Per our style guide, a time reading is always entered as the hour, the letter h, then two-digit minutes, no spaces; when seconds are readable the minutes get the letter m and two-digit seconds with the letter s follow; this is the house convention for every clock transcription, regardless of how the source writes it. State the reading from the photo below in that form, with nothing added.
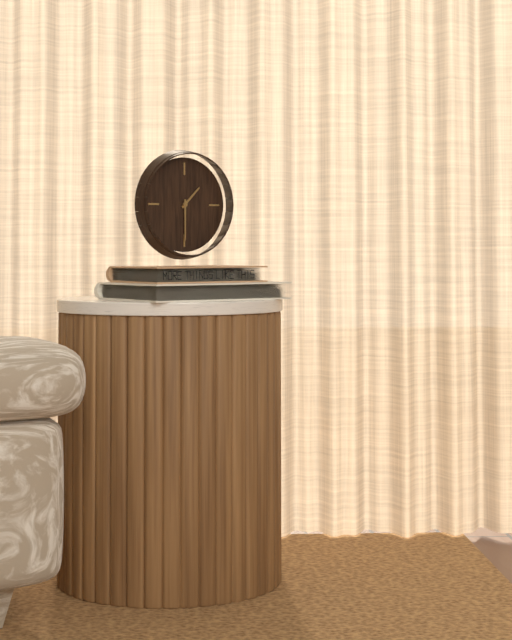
1h30
